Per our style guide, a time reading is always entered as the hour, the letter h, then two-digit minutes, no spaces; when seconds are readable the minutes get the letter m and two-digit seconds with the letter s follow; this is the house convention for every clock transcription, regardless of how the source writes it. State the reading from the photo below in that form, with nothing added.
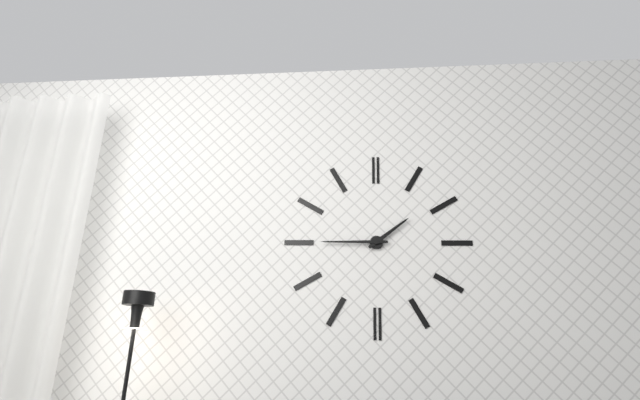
1h45
